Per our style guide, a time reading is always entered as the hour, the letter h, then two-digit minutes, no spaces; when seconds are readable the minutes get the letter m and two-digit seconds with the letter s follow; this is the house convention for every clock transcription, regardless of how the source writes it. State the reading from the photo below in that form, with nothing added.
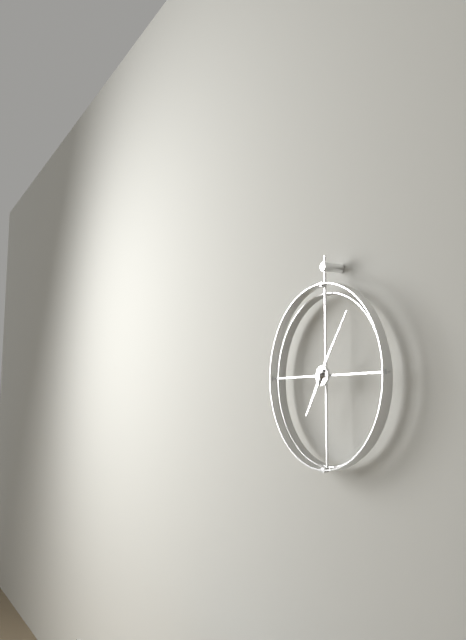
7h06
